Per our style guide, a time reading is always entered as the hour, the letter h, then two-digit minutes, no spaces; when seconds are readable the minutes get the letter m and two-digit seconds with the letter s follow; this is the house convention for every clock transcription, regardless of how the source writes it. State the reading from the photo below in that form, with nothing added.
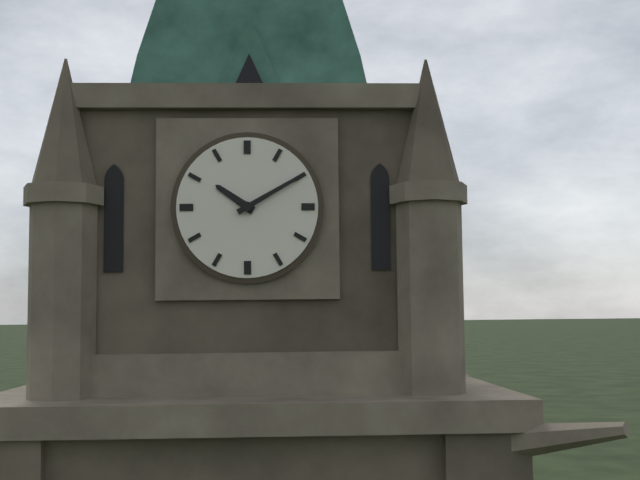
10h10
